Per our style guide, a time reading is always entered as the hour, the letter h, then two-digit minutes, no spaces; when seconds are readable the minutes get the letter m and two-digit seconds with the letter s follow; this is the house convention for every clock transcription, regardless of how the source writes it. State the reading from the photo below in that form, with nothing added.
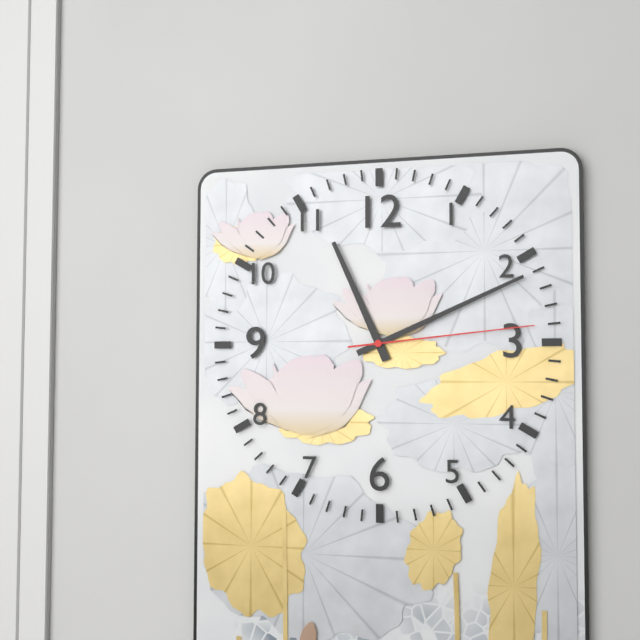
11h11m14s
